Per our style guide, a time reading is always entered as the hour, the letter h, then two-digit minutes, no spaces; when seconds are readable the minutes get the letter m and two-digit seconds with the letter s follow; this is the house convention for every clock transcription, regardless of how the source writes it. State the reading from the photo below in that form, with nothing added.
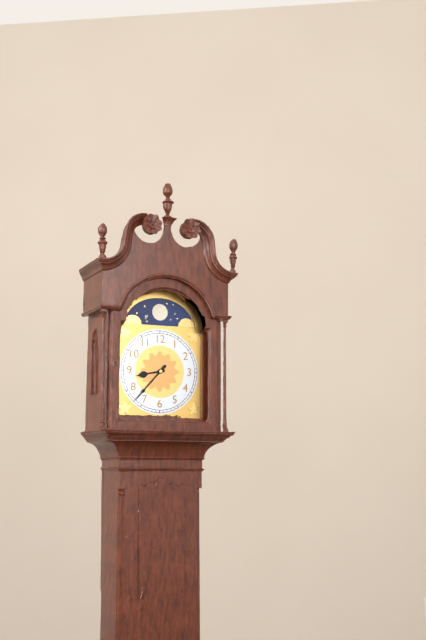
8h37
